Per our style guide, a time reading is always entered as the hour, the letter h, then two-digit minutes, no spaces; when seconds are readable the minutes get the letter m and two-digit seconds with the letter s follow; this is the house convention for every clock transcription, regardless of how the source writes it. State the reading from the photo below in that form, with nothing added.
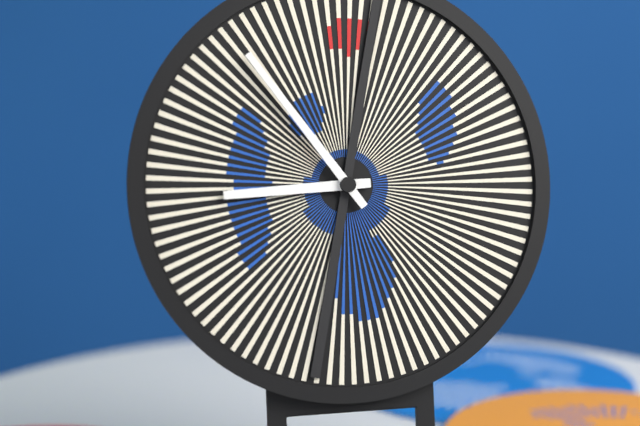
8h54
